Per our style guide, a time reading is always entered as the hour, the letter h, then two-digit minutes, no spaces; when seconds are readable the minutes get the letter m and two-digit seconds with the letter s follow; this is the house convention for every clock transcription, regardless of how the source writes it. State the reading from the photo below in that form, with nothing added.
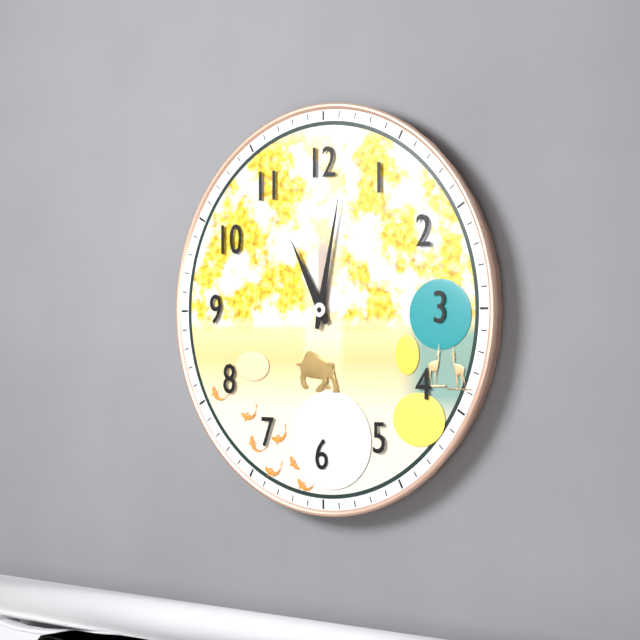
11h02
